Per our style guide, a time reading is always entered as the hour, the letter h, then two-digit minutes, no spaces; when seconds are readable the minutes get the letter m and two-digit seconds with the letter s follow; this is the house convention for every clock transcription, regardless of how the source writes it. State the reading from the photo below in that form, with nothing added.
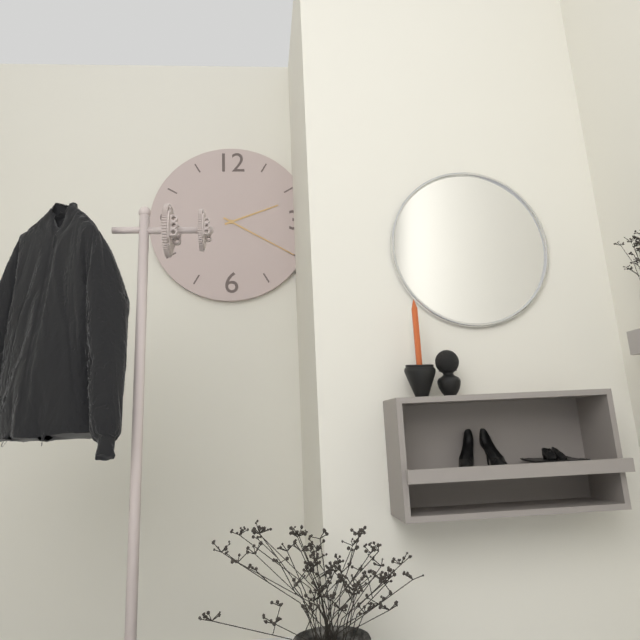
2h20
